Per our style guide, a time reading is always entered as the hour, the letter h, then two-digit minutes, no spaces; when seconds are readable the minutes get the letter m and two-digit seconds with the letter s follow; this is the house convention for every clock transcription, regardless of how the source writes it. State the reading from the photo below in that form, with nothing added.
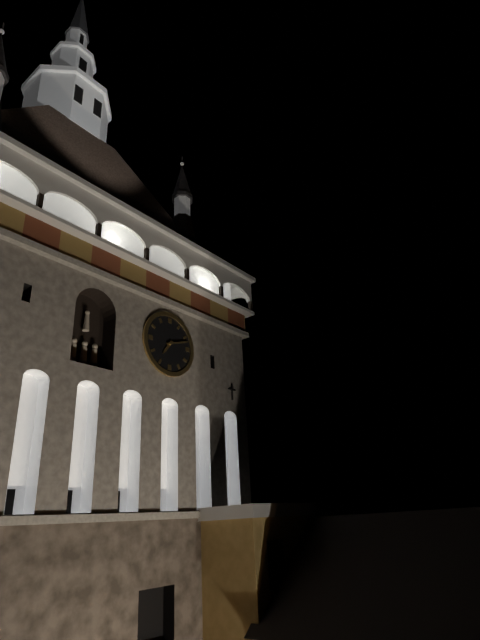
7h12
